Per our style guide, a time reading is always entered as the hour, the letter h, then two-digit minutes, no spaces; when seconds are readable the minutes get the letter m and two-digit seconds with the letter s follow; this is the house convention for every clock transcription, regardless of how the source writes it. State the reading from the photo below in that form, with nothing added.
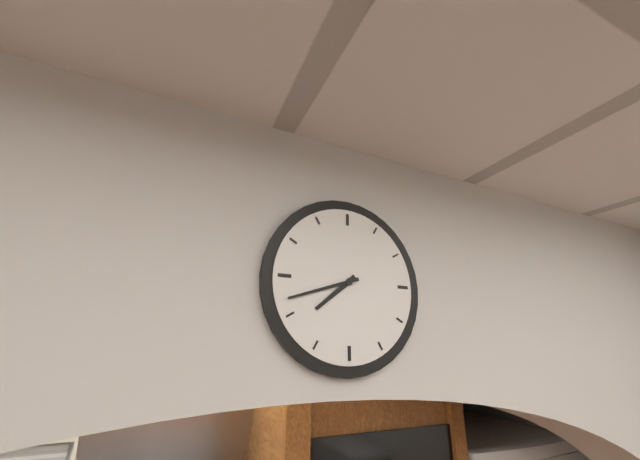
7h42
